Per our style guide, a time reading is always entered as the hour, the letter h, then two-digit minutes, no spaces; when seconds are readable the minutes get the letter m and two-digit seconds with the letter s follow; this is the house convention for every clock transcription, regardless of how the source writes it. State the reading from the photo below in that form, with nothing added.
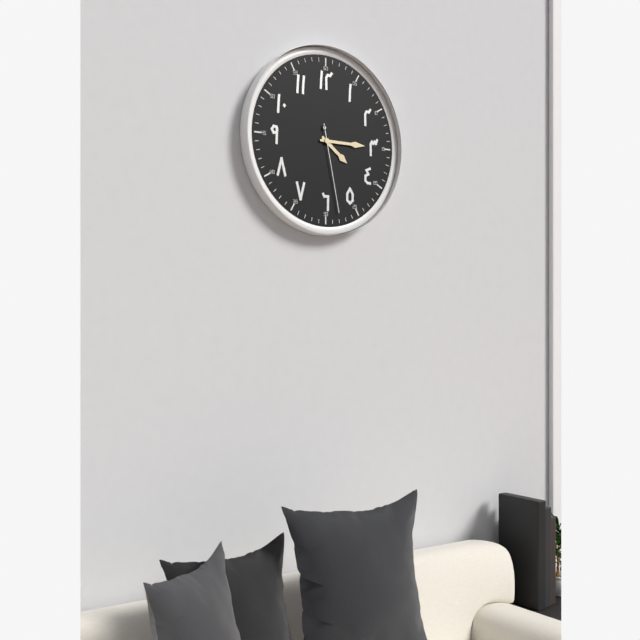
4h15m28s
